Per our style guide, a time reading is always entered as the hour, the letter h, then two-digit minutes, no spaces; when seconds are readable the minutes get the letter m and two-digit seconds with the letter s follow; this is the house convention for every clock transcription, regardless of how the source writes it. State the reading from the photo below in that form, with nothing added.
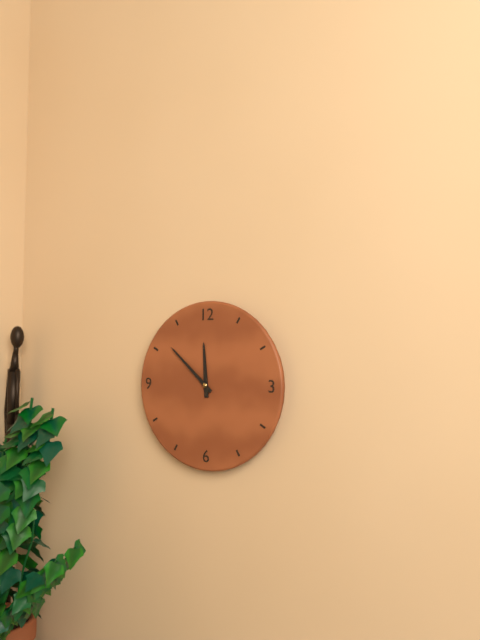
11h52
